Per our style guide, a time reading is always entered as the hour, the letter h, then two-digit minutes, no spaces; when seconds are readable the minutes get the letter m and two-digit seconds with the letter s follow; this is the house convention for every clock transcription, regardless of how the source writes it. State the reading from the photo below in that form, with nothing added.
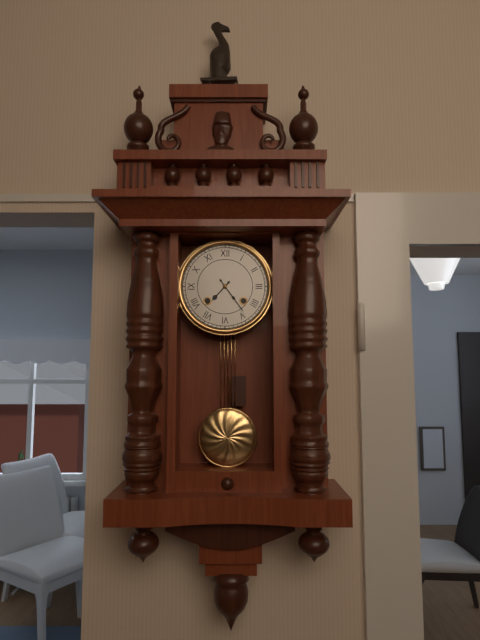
7h24
